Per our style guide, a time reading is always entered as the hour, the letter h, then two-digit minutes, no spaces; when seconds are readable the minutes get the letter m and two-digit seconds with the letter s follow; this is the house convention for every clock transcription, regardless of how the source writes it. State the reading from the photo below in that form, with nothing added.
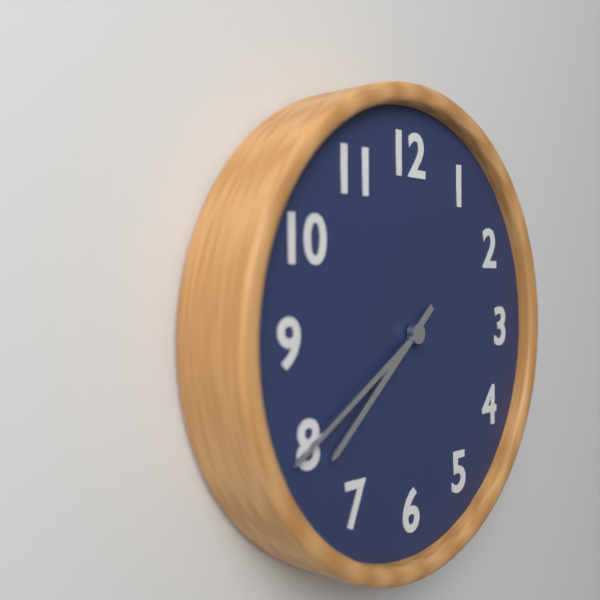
7h40
